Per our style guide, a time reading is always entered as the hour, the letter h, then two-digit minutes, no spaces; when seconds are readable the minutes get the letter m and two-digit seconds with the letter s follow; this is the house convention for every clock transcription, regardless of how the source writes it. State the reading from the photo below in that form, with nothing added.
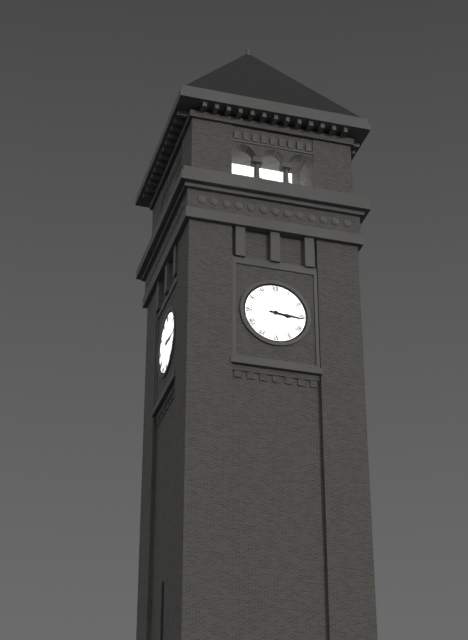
3h16
